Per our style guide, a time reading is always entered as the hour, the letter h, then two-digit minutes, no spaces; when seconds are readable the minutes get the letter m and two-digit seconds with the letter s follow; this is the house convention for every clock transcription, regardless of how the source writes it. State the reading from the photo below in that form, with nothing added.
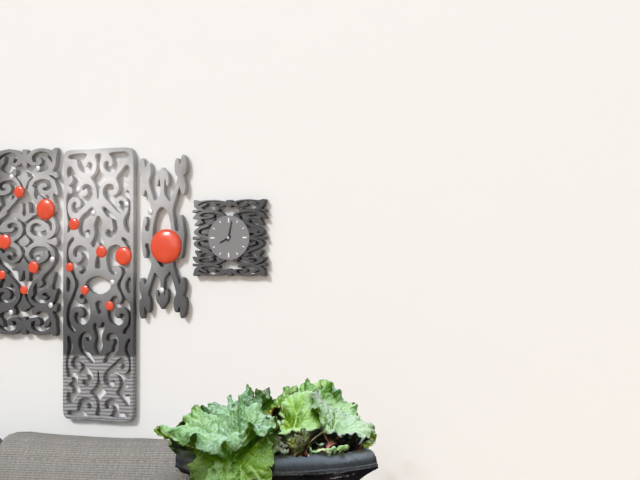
8h02
